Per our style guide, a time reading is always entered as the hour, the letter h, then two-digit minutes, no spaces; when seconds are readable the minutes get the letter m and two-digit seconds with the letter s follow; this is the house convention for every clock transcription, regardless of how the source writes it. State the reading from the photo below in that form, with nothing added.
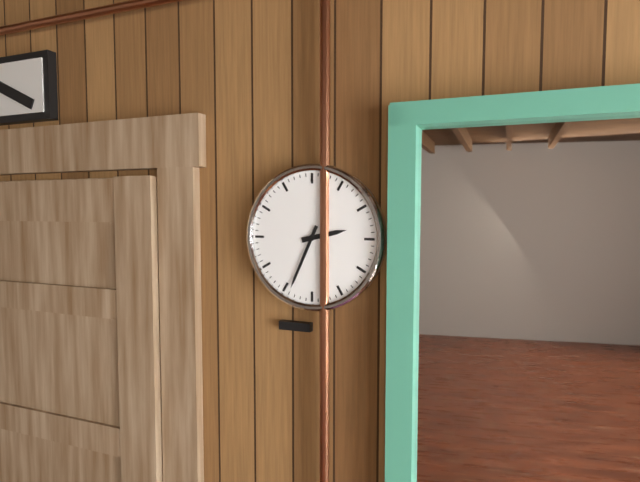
2h34
